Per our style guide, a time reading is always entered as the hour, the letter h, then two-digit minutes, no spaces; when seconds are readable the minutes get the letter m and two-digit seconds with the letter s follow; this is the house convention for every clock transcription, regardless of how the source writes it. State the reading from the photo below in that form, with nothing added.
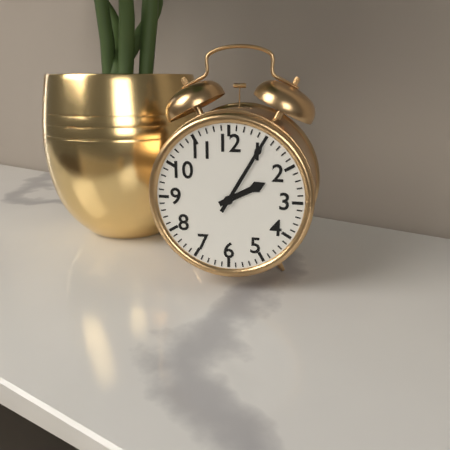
2h05
